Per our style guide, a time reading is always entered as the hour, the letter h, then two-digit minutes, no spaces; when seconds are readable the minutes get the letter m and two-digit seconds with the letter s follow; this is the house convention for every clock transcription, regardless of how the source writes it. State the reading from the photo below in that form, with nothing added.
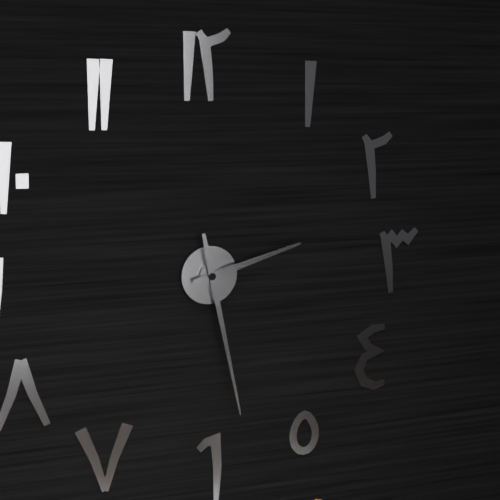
2h28
